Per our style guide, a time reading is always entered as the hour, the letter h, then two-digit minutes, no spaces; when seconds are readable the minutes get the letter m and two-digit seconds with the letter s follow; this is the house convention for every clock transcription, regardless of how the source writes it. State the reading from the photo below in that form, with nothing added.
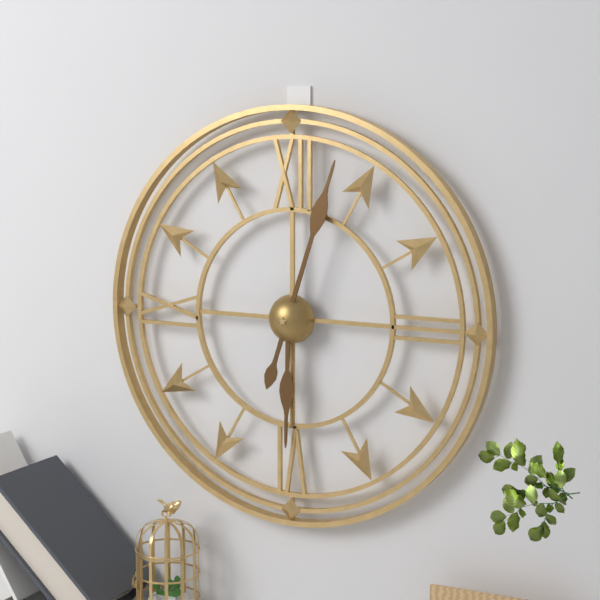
6h03
